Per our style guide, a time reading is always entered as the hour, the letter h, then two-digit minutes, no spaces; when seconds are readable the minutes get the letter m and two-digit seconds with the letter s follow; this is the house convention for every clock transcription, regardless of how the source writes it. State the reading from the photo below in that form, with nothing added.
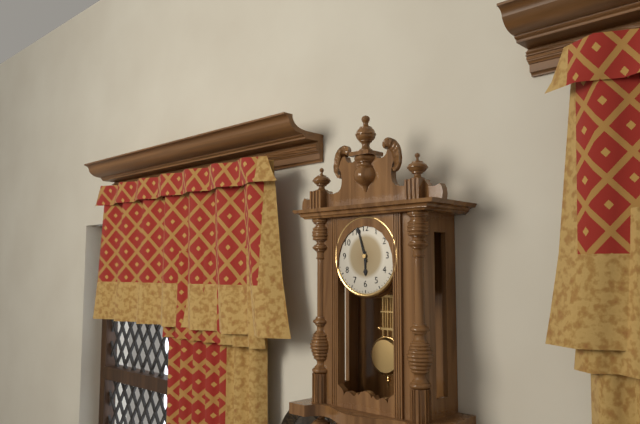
5h57
